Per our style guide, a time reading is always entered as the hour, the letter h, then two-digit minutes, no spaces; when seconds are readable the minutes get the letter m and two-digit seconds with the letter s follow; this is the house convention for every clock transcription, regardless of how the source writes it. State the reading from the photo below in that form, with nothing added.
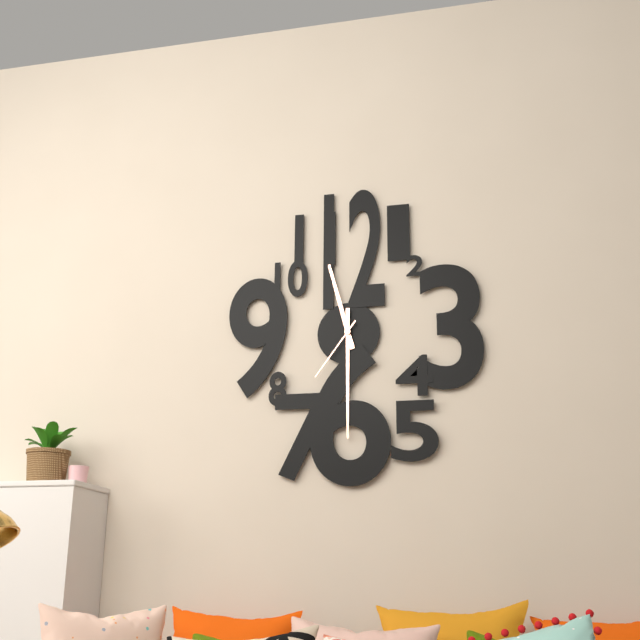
11h30m36s
